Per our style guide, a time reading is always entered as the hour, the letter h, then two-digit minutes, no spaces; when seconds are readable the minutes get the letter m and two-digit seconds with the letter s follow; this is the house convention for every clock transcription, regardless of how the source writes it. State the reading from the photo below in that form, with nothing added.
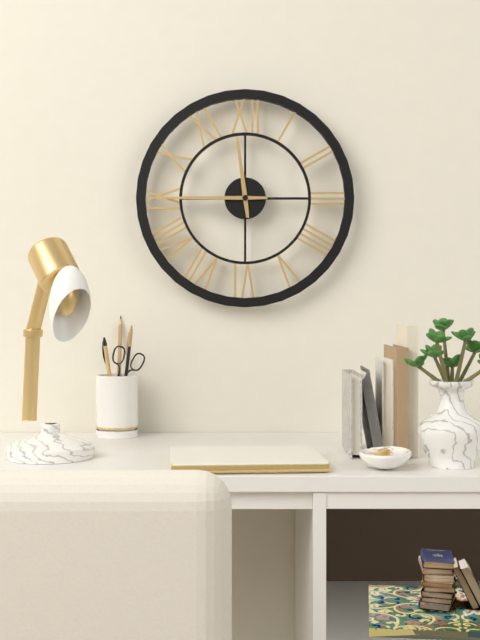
11h45
